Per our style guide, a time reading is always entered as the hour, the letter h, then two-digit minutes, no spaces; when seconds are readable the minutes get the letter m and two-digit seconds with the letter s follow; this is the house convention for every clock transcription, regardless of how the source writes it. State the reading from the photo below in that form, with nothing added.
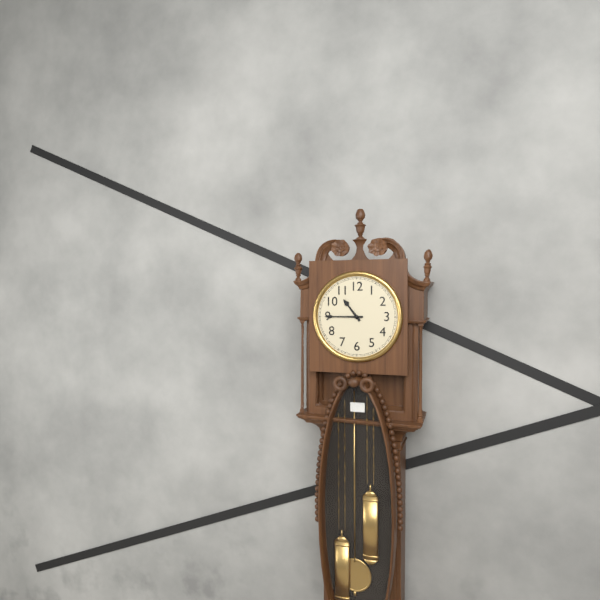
10h45
